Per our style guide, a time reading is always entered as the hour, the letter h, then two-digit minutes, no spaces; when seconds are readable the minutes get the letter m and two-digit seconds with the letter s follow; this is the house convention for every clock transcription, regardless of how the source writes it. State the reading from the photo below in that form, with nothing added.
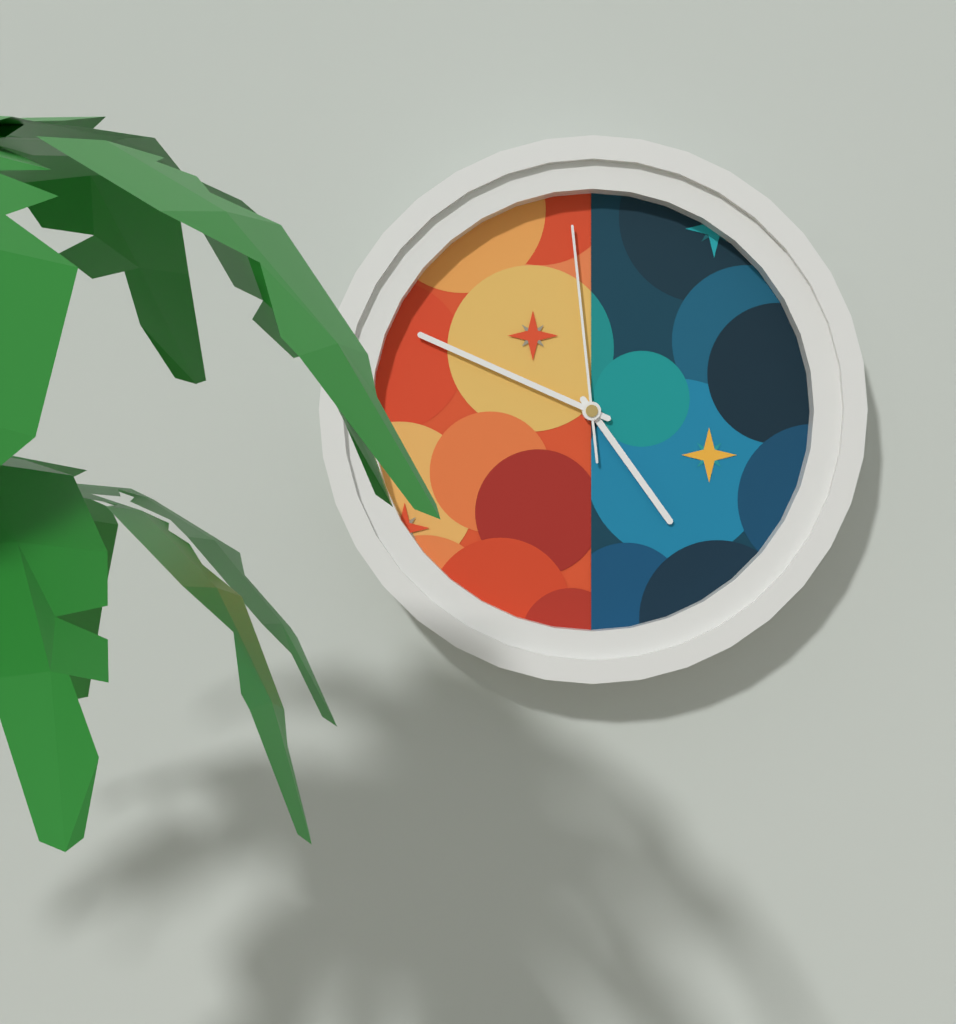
4h49m59s
